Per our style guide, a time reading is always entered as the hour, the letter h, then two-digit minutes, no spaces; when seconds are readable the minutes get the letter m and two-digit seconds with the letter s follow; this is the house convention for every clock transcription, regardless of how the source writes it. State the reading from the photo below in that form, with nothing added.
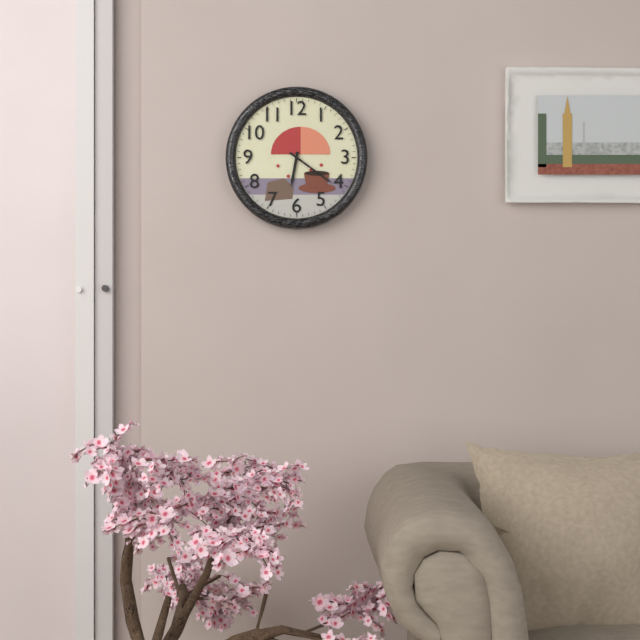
6h21
